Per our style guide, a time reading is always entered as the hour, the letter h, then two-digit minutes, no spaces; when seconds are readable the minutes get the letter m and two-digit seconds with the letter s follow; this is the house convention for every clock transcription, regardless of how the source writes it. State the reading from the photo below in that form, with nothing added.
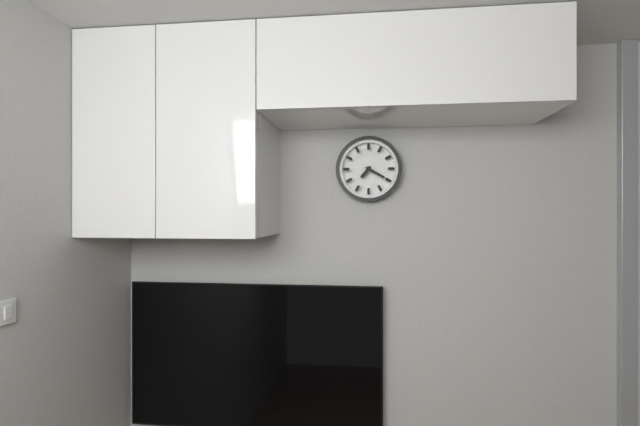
7h20
